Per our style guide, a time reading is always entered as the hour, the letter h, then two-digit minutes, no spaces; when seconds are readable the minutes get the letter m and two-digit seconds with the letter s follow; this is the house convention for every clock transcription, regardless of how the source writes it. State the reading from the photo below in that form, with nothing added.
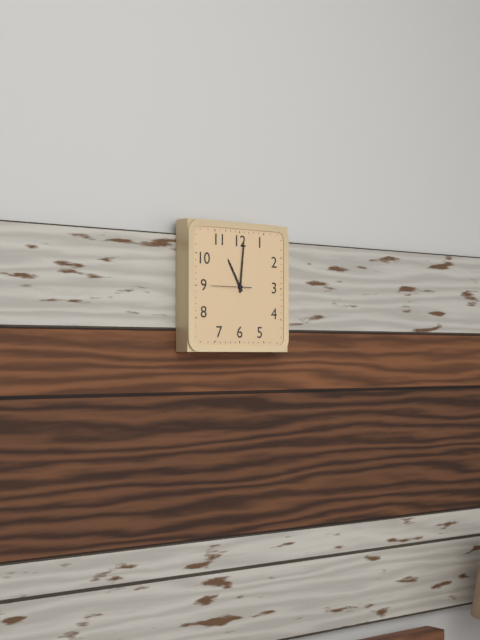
11h01
